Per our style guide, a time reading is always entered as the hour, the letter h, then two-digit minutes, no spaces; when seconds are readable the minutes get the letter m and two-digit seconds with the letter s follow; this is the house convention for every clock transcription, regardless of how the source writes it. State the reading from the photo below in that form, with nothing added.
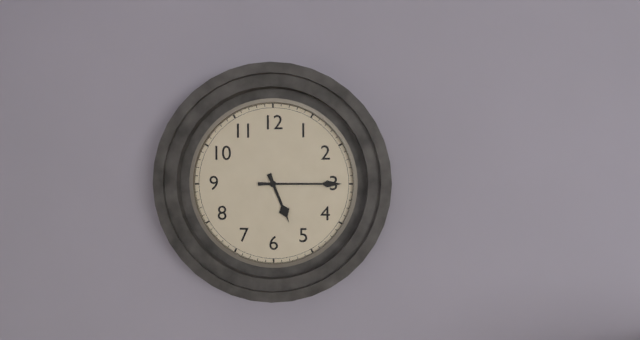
5h15
